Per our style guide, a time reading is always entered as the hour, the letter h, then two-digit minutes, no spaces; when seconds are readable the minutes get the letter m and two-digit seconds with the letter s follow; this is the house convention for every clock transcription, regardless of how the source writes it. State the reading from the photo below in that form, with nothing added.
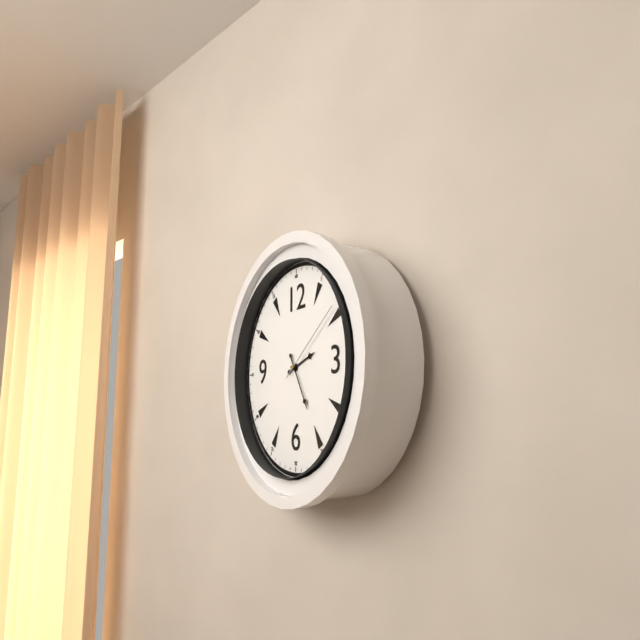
2h25m09s
